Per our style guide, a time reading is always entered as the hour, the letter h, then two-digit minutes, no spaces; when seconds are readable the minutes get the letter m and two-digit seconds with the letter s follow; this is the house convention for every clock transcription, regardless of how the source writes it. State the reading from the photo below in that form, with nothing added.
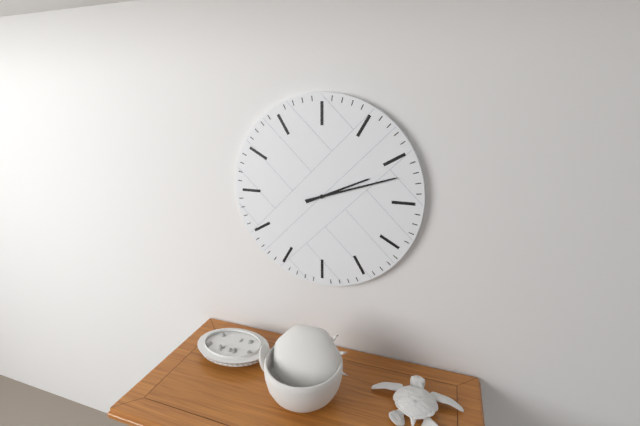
2h12
